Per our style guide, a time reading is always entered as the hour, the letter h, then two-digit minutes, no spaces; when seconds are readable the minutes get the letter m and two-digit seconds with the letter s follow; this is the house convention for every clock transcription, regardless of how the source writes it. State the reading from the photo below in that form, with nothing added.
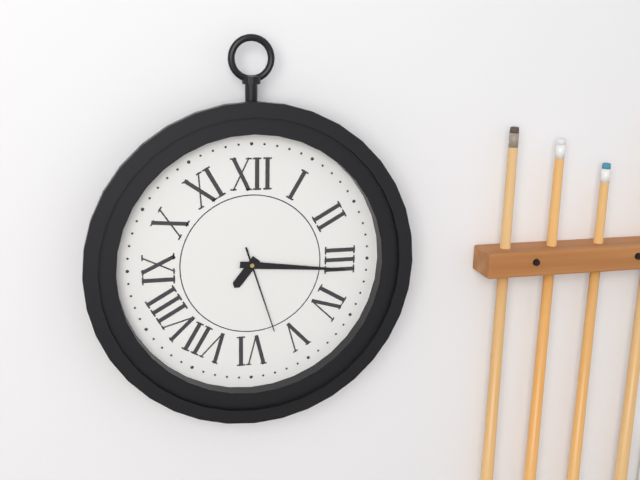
7h16m27s
